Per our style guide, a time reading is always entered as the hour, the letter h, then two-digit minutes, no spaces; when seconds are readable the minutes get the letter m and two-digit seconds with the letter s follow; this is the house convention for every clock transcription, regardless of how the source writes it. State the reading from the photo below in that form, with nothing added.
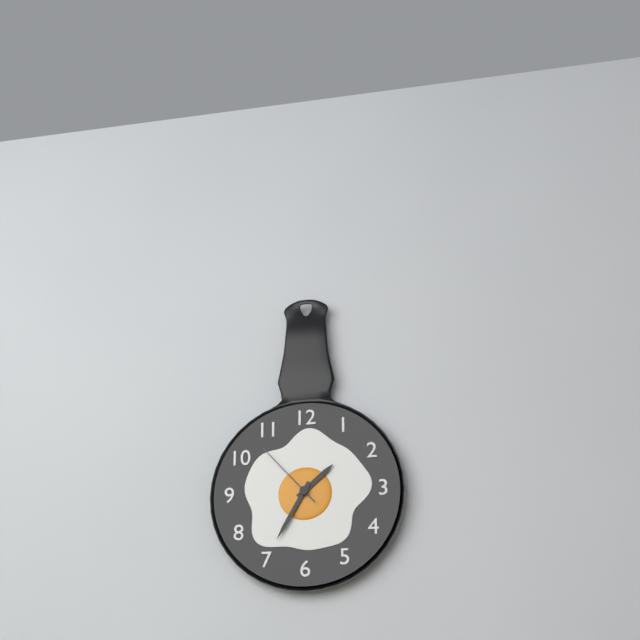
1h35m53s
